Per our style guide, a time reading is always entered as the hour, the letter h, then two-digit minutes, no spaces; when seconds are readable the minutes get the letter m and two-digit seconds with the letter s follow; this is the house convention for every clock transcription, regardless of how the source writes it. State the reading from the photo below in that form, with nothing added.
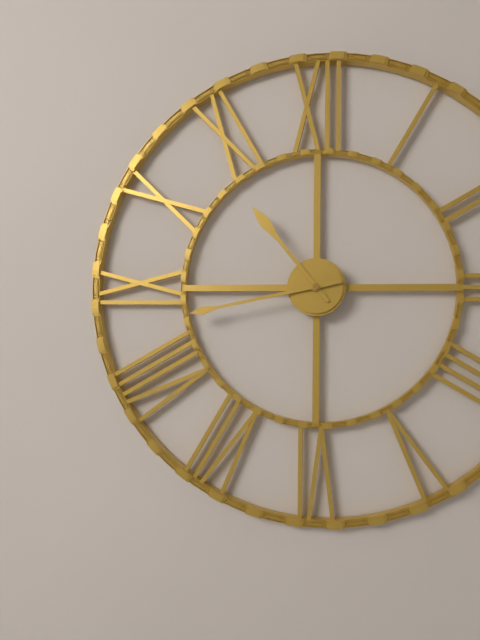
10h43
